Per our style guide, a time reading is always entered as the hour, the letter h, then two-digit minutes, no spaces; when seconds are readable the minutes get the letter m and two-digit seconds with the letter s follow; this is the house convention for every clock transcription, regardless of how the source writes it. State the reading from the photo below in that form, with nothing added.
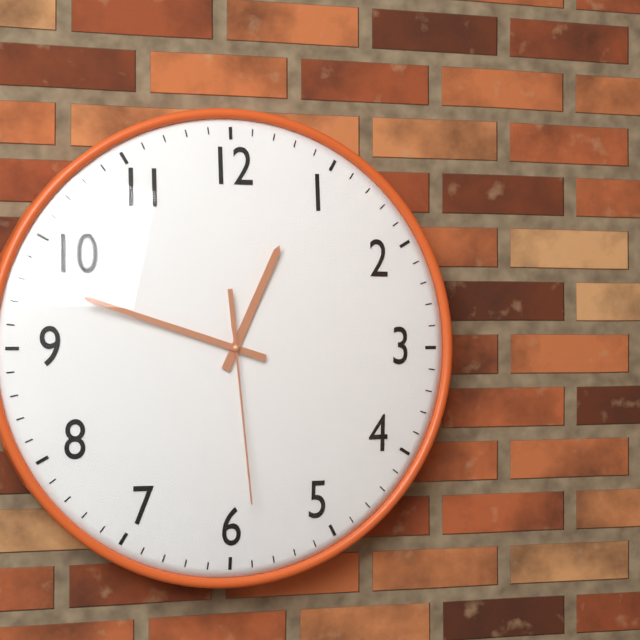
12h48m29s
